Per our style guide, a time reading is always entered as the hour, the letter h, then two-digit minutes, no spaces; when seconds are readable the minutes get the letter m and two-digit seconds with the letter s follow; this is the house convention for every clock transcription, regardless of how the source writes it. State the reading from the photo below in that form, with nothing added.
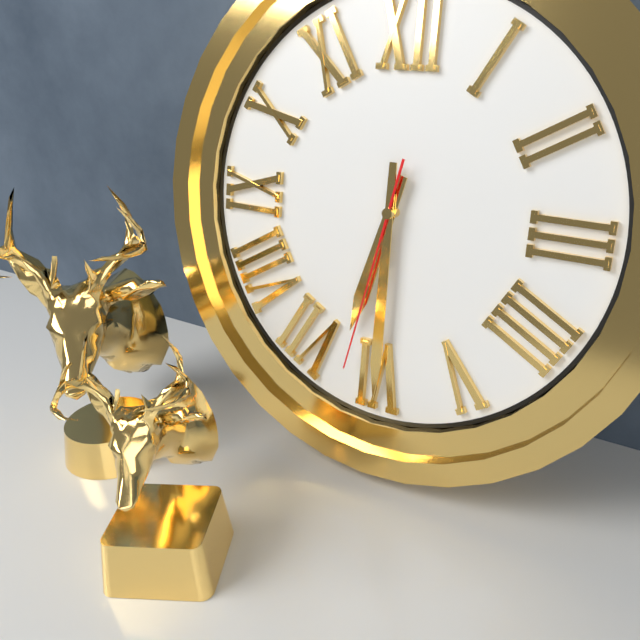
6h30m32s
